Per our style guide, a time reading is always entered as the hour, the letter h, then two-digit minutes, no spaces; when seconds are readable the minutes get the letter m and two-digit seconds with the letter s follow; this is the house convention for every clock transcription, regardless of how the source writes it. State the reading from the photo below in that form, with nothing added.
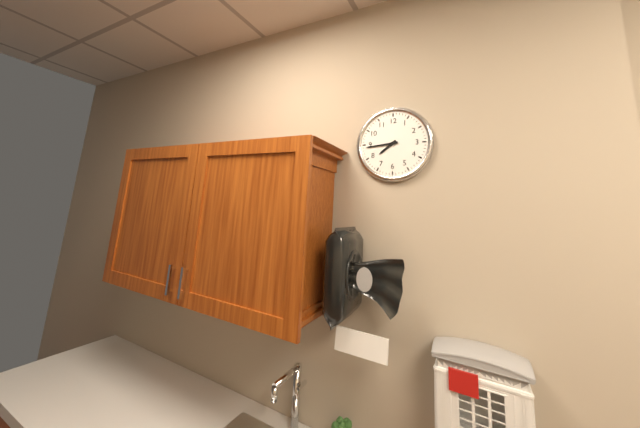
7h44
